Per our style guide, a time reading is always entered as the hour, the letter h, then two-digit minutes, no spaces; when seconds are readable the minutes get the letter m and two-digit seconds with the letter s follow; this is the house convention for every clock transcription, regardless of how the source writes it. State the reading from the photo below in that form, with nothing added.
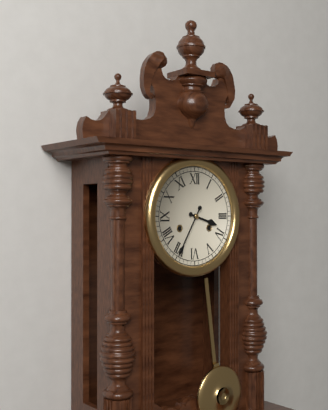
3h35
